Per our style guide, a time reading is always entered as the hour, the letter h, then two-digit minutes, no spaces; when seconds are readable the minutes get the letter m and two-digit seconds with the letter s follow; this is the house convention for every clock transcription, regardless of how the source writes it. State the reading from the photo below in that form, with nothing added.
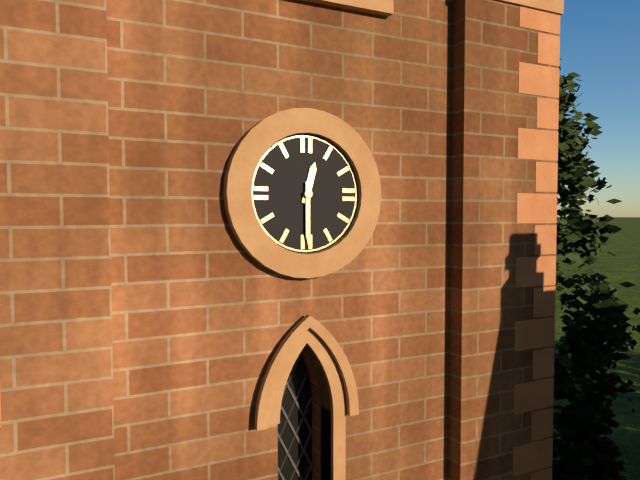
12h30
